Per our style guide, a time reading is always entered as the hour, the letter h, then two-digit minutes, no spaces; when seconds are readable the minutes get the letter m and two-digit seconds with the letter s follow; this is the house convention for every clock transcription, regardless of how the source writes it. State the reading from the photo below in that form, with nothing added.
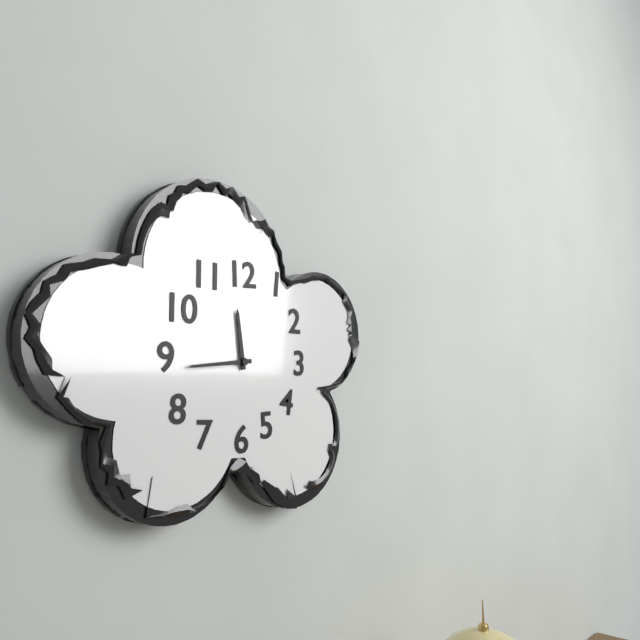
11h44
